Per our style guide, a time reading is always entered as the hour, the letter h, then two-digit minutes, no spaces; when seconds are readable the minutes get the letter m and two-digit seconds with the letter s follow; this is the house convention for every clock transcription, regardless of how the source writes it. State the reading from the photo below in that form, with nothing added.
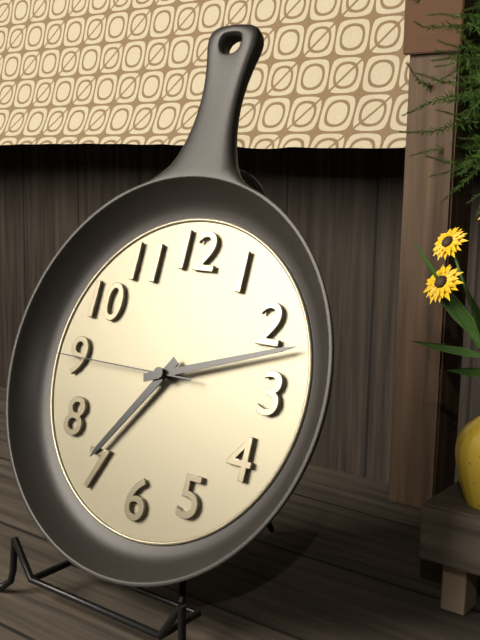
7h12m45s
